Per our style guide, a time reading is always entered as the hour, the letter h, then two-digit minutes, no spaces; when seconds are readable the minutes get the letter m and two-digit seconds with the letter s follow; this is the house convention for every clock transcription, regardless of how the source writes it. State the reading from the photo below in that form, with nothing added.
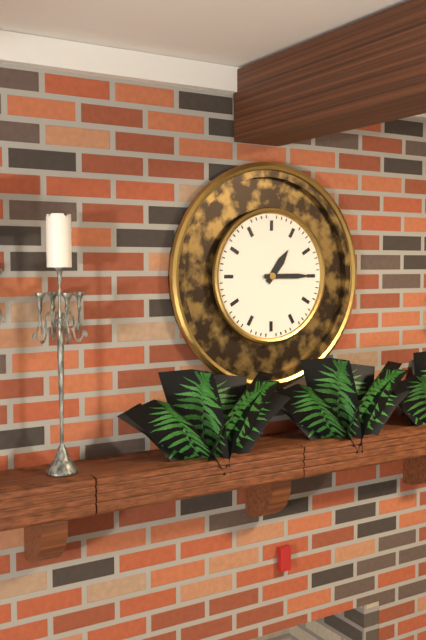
1h15
